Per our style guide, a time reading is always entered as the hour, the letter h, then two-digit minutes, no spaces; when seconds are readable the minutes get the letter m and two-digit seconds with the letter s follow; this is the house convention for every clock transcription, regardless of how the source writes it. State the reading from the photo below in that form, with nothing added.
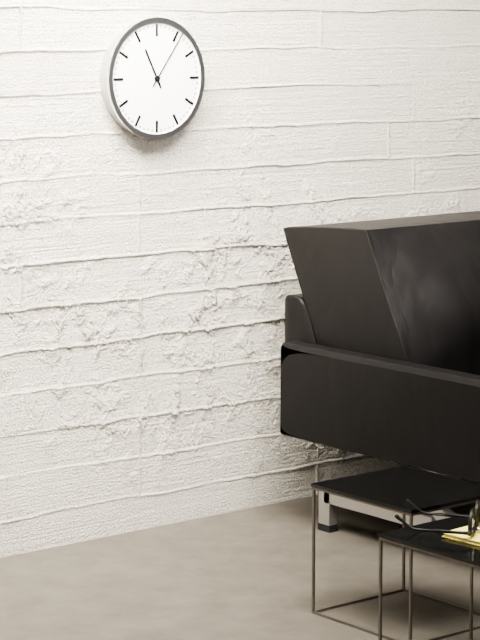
11h06
